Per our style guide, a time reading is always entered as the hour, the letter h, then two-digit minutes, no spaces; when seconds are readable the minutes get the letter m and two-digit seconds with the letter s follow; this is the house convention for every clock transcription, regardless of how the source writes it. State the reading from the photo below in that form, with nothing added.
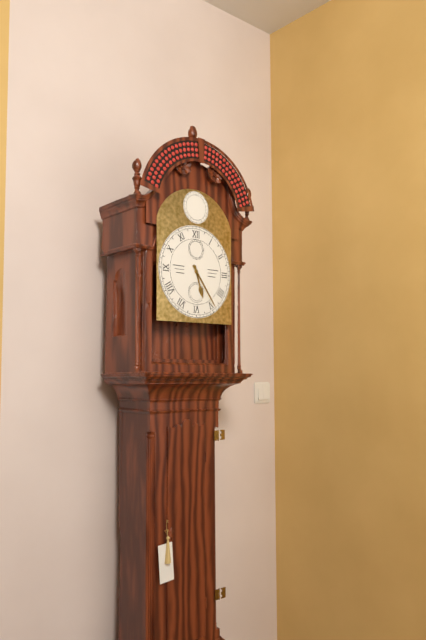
5h24
